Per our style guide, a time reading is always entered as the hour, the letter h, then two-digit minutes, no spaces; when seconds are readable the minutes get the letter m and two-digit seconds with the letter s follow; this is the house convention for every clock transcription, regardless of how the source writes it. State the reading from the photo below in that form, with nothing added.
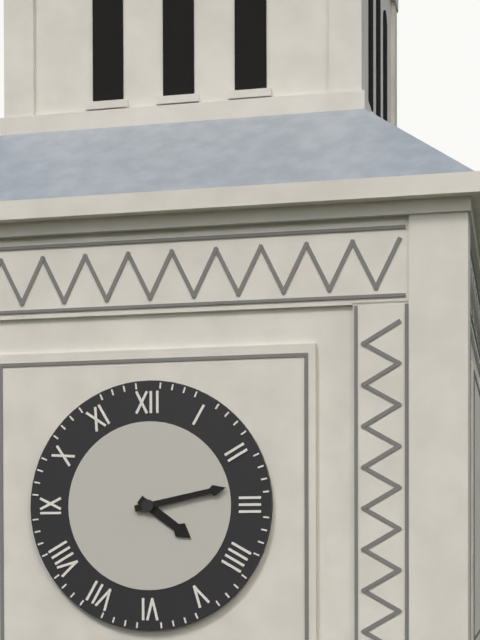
4h13
